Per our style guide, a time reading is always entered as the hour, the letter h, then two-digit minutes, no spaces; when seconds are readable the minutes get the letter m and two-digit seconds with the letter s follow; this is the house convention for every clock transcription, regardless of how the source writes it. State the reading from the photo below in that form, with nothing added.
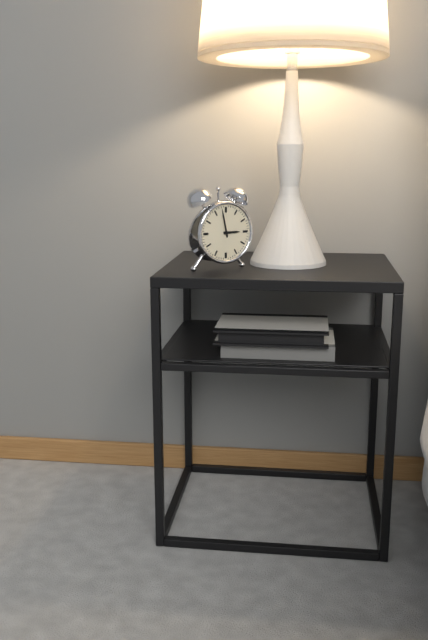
2h58
